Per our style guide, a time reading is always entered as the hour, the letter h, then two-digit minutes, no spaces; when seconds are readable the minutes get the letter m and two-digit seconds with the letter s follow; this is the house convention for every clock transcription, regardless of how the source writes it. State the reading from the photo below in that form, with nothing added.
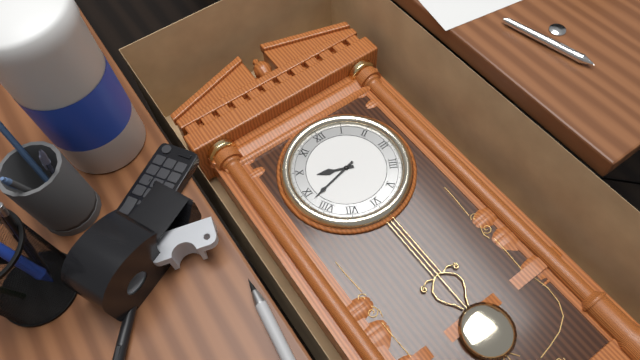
9h43
